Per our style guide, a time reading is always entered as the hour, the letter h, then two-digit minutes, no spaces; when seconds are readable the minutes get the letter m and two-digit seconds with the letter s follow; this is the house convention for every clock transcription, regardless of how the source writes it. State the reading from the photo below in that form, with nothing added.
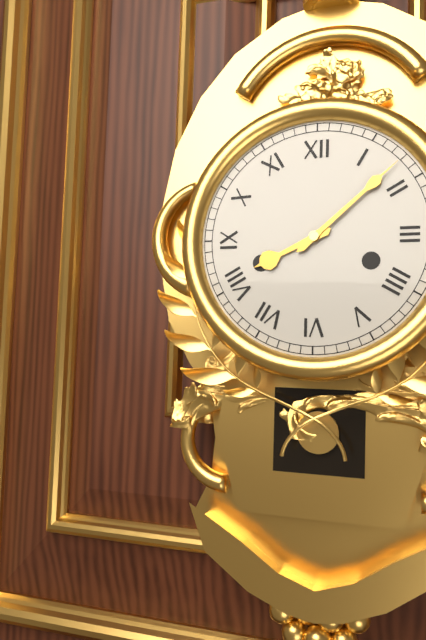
8h08
